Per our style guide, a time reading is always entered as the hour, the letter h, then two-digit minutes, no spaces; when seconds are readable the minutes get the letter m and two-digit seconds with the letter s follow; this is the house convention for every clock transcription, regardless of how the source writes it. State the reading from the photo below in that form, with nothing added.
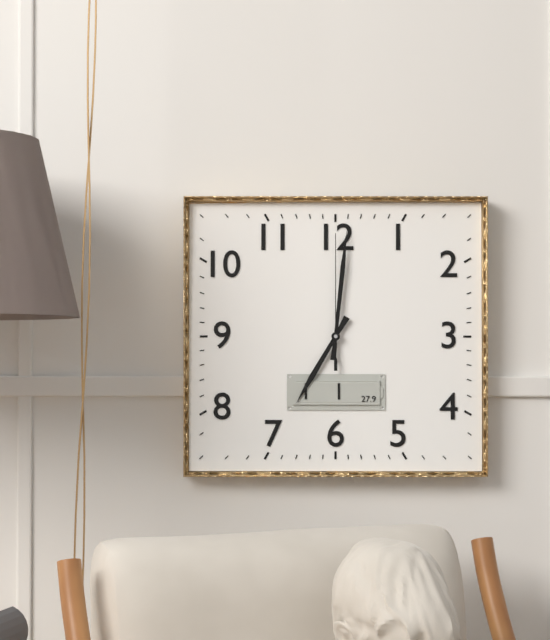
7h01m00s
